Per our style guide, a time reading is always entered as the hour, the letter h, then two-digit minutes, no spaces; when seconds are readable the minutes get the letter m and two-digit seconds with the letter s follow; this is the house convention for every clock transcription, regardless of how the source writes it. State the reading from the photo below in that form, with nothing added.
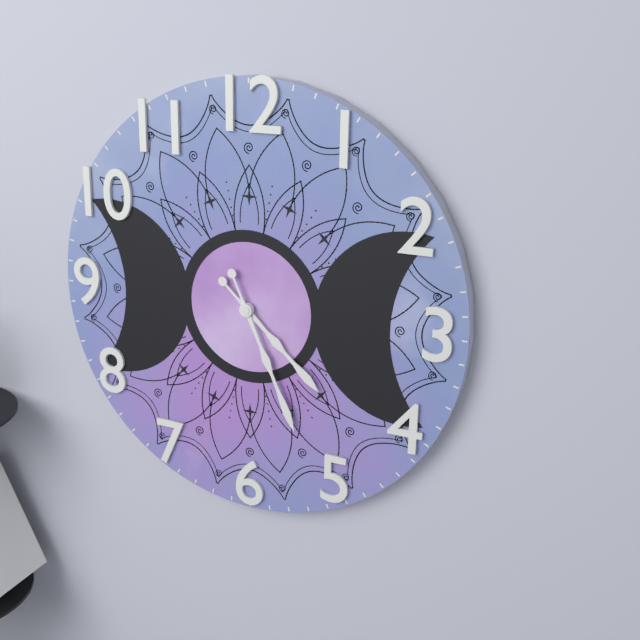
4h26
